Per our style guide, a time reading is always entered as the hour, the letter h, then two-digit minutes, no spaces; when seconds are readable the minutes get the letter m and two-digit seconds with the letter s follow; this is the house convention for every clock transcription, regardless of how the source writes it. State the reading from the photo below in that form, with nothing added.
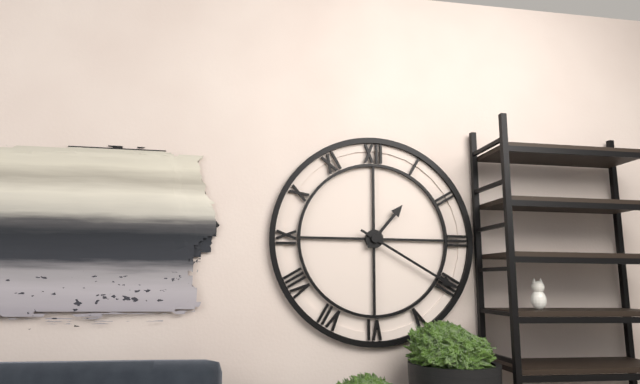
1h20
